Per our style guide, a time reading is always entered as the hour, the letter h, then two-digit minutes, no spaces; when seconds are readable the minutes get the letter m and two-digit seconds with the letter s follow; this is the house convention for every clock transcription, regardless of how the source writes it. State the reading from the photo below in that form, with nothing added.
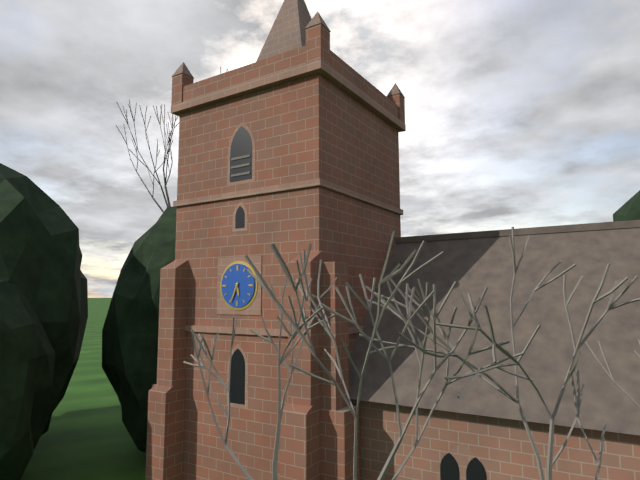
5h34
